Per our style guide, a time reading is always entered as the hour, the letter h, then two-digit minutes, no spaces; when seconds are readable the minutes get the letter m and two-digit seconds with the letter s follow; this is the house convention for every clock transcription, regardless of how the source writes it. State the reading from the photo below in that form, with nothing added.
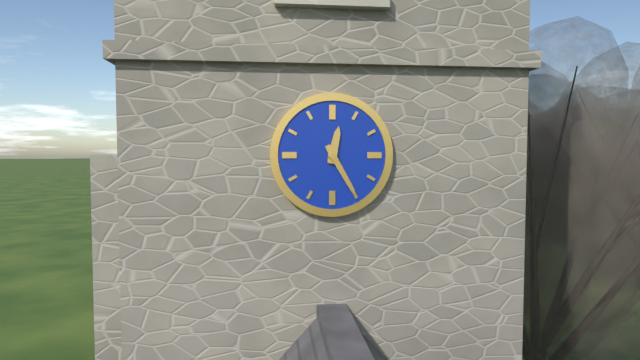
12h25
